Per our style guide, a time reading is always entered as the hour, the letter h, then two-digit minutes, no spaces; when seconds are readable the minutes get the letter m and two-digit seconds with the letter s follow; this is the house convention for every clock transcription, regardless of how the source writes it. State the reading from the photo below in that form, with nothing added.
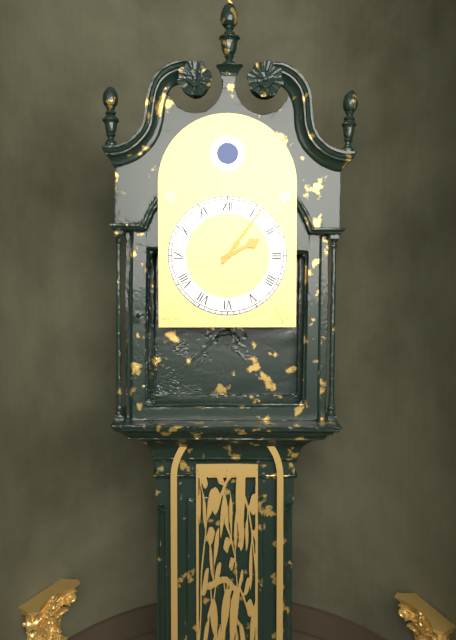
2h06
